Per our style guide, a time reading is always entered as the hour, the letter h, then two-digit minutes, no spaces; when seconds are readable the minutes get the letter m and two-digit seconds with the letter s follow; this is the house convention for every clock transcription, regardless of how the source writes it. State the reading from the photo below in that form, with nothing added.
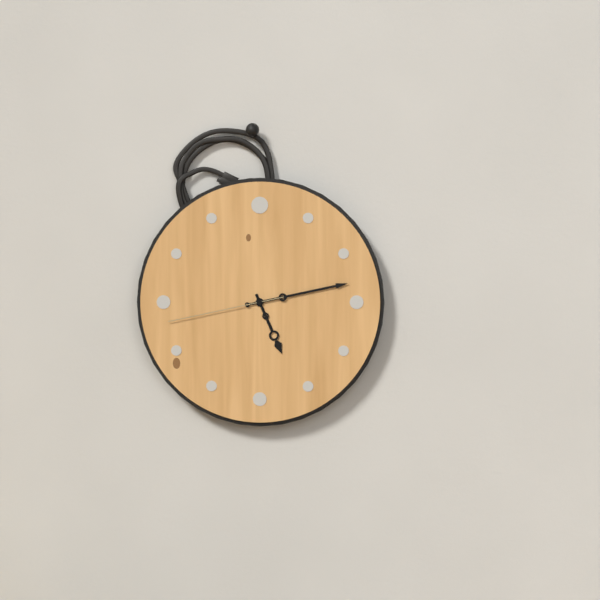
5h13m43s
